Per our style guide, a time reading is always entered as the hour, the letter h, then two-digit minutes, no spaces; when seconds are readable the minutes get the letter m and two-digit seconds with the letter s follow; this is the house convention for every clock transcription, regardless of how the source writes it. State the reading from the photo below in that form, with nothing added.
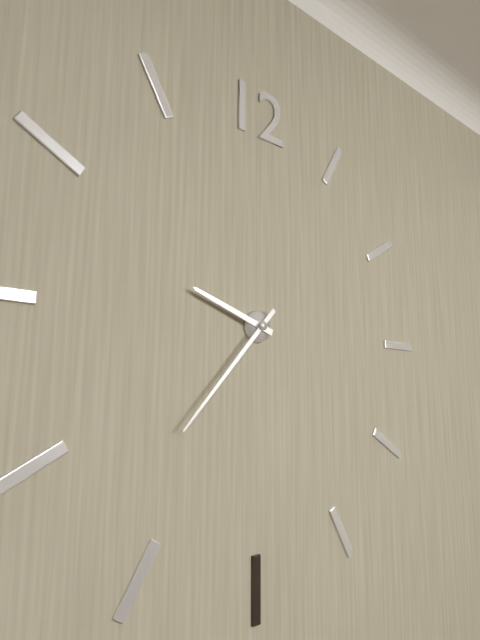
9h37
